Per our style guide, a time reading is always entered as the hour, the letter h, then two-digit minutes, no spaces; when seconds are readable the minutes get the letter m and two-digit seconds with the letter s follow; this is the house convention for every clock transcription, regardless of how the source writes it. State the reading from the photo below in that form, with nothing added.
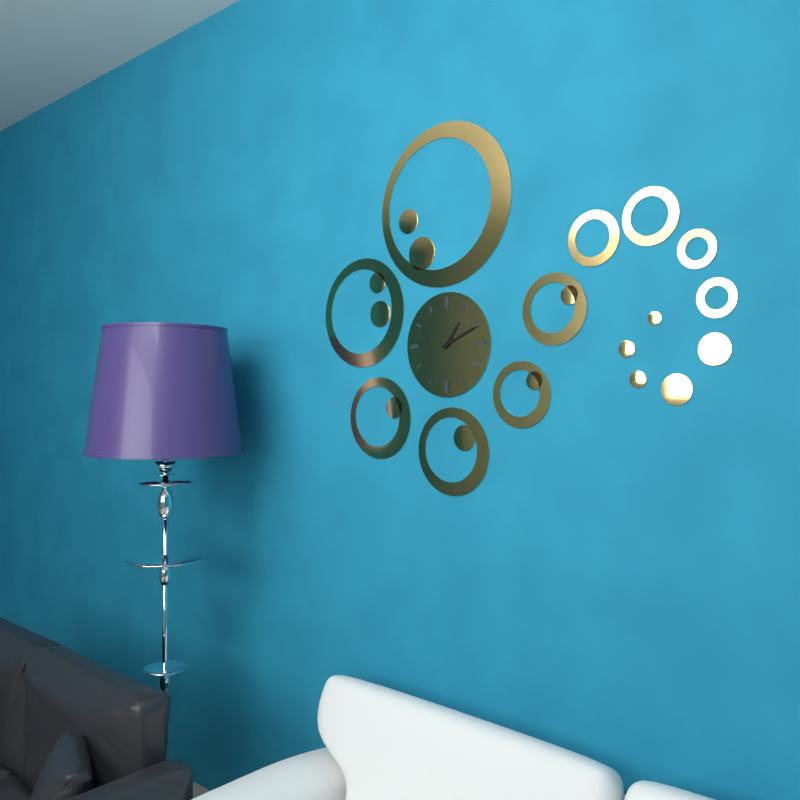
1h11
